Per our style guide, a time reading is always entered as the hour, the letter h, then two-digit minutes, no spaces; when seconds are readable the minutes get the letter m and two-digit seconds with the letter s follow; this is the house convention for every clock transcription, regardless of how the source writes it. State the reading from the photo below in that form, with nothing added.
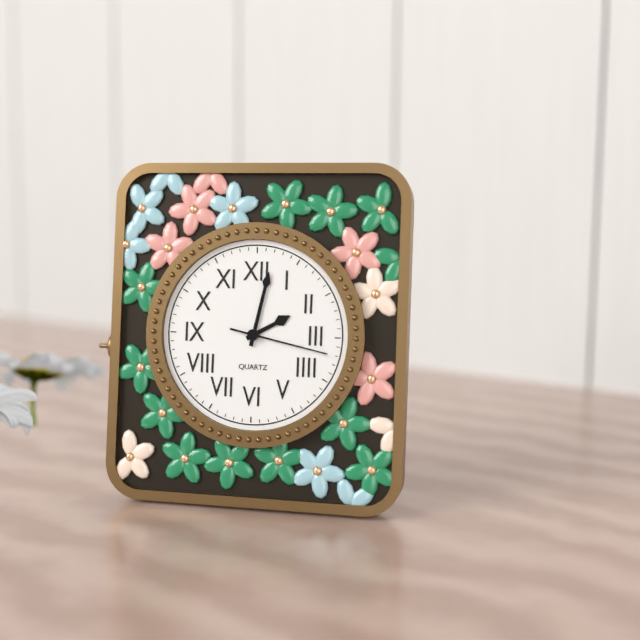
2h02m17s
